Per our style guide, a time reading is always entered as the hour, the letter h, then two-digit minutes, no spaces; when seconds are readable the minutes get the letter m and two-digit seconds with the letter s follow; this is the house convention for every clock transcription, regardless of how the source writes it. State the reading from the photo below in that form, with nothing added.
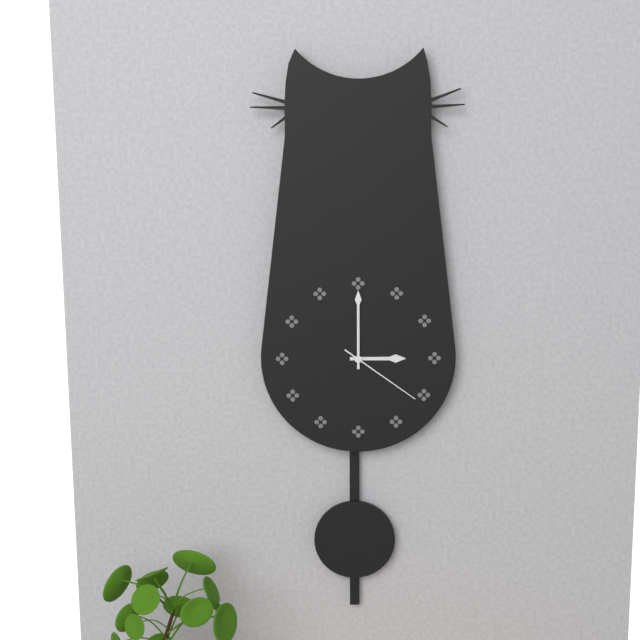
3h00m21s
